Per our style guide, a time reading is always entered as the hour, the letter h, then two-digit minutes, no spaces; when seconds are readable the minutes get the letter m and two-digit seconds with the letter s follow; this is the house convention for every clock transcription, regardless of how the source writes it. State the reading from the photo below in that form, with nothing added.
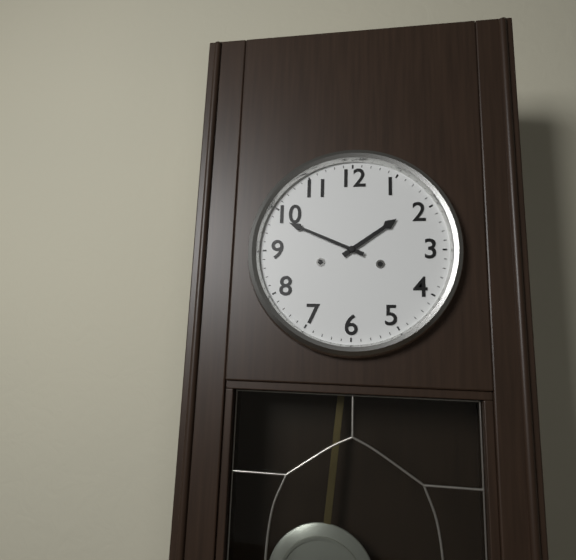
1h49
